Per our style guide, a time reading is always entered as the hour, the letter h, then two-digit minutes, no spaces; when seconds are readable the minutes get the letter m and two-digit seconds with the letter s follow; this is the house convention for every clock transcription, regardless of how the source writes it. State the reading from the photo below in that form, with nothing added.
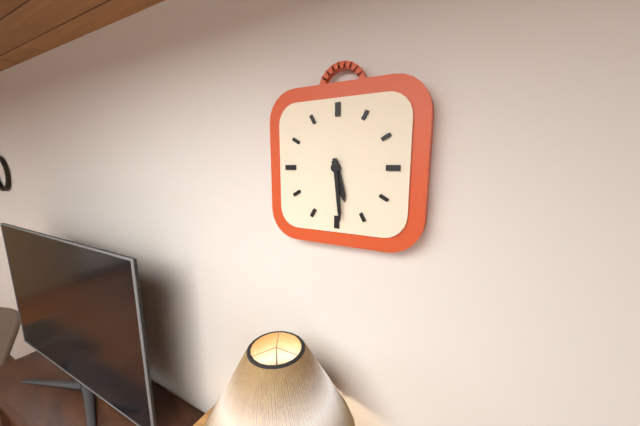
5h29
